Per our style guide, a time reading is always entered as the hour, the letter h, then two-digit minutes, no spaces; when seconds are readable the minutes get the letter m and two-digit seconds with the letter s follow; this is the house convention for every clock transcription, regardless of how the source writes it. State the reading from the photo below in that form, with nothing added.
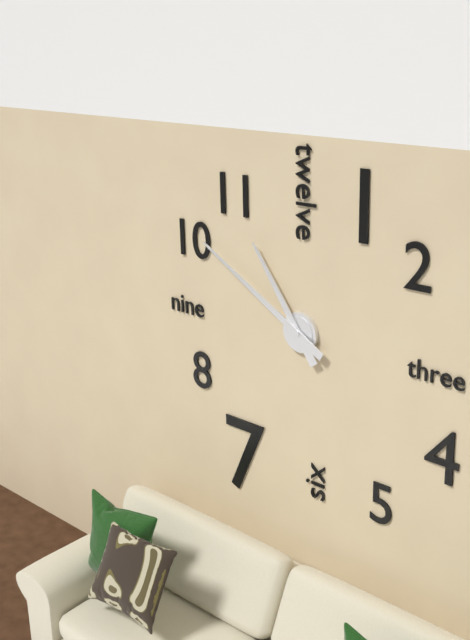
10h50
